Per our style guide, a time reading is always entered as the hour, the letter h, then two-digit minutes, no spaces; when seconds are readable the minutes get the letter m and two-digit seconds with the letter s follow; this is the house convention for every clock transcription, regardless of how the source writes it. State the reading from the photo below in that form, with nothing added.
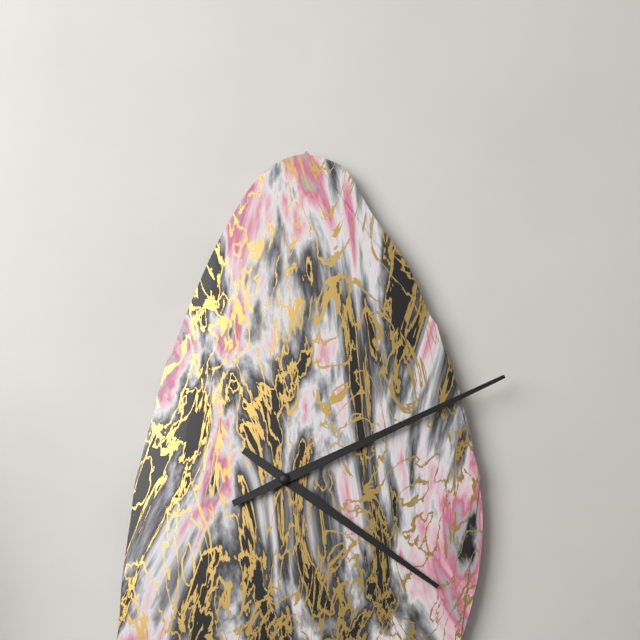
4h11
